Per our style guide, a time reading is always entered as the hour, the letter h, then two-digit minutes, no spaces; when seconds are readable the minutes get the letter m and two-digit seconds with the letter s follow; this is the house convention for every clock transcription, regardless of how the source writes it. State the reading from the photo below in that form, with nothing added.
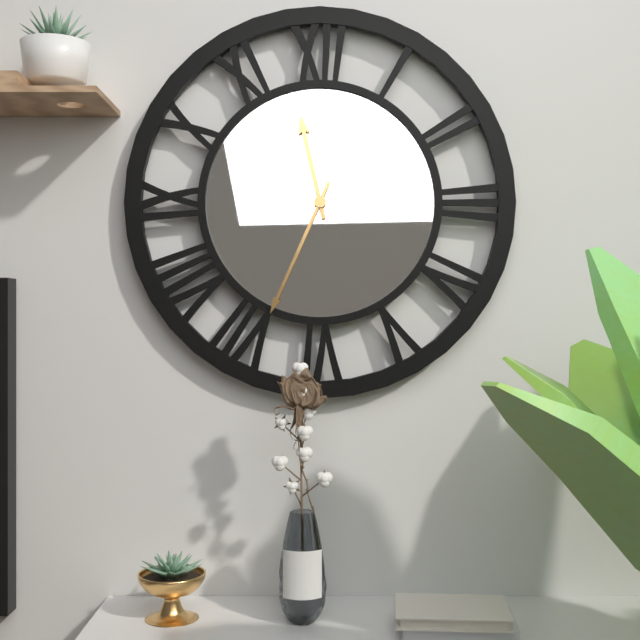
11h34
